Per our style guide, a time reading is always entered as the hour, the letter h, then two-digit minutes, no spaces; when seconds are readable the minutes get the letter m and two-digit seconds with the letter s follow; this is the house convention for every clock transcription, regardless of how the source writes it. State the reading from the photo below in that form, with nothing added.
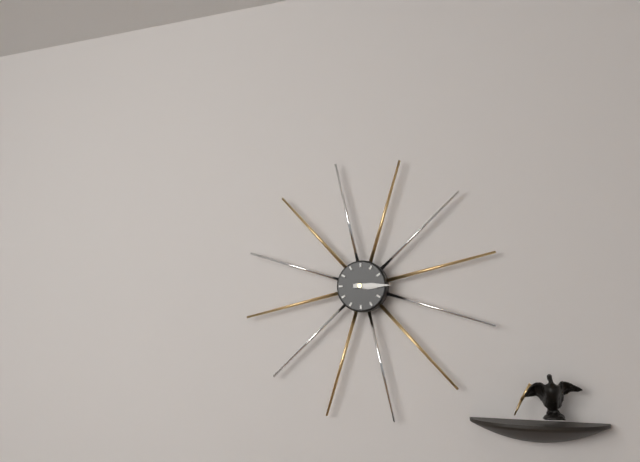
3h15
